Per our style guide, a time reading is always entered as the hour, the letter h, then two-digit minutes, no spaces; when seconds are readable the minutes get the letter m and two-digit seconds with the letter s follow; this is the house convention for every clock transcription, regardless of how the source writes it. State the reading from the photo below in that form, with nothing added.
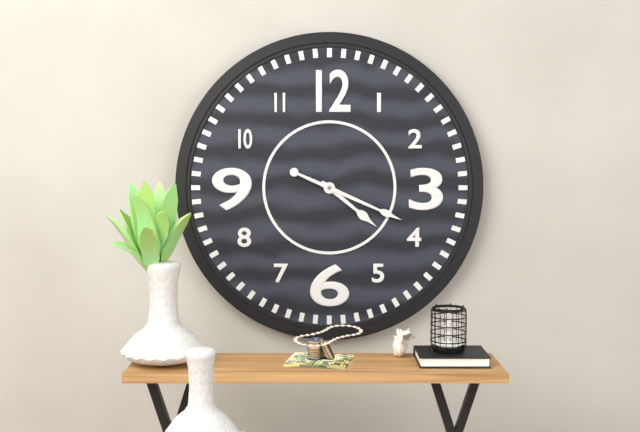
4h19
